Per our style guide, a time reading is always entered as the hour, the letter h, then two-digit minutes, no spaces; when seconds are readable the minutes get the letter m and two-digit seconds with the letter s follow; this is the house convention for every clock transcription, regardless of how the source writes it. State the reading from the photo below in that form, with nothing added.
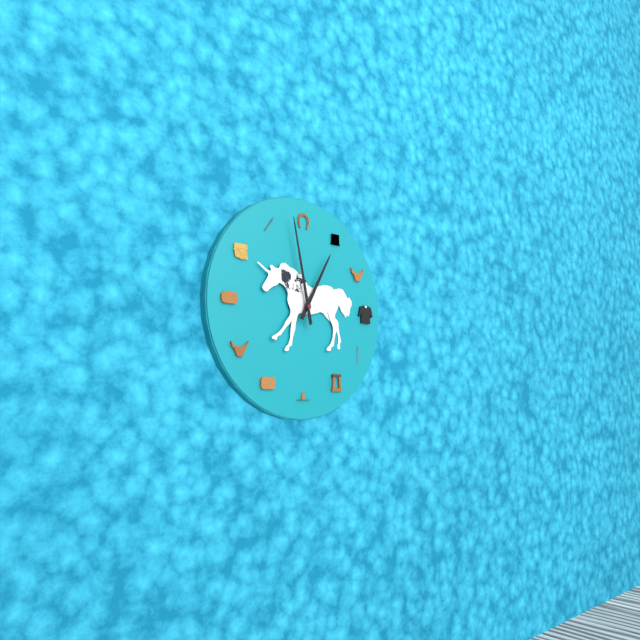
12h58
